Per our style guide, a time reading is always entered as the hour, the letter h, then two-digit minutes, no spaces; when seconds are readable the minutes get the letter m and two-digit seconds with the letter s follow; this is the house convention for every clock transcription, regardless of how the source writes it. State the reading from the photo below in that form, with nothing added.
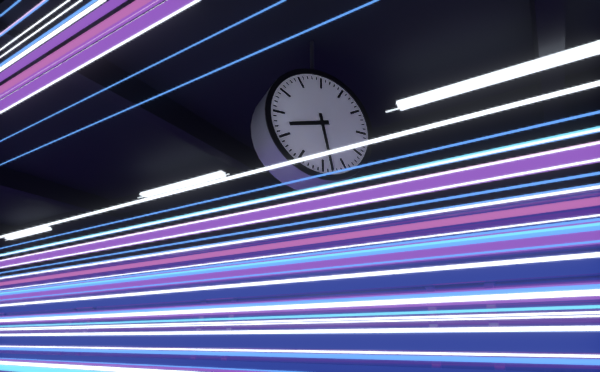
8h28
